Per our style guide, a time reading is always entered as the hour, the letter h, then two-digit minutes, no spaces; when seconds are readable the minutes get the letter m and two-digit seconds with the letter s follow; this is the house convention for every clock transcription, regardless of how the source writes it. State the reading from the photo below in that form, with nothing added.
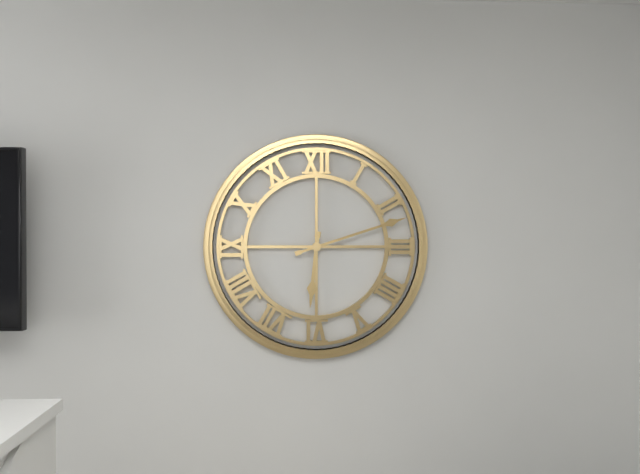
6h12
